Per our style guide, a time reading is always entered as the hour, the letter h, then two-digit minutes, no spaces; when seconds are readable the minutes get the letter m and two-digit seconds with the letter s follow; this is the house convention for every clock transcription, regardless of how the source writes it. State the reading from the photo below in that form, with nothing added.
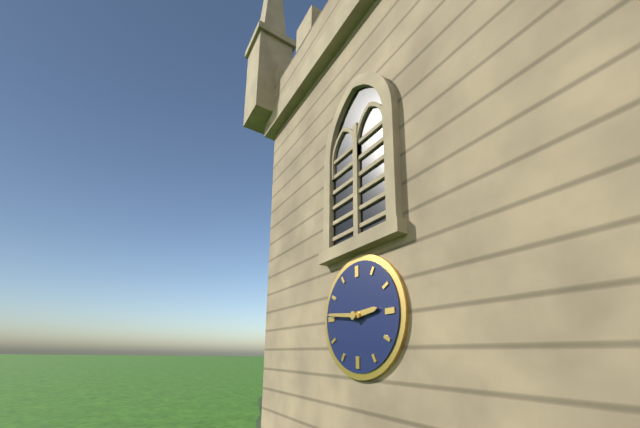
2h46
